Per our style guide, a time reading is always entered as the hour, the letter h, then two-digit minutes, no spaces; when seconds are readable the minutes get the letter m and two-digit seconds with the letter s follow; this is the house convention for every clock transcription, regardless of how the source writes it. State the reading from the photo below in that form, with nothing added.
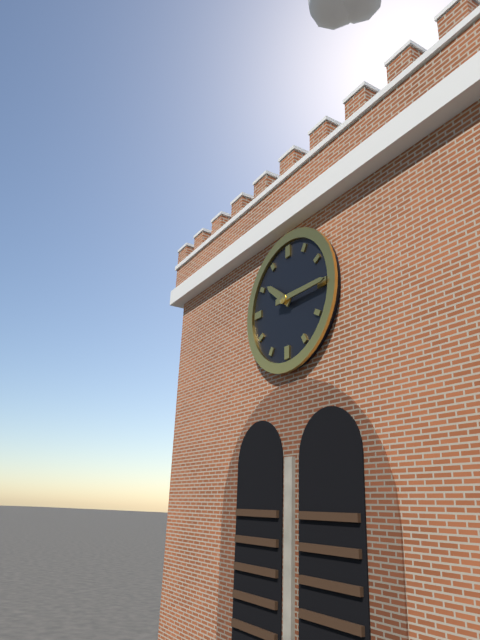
10h15
